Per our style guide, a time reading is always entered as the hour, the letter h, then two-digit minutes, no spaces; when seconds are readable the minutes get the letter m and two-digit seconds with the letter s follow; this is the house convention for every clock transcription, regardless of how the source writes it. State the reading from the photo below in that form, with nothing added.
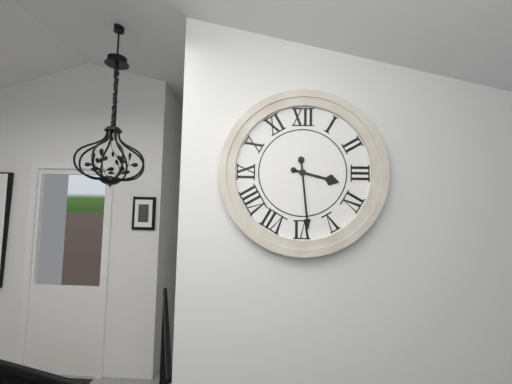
3h29
